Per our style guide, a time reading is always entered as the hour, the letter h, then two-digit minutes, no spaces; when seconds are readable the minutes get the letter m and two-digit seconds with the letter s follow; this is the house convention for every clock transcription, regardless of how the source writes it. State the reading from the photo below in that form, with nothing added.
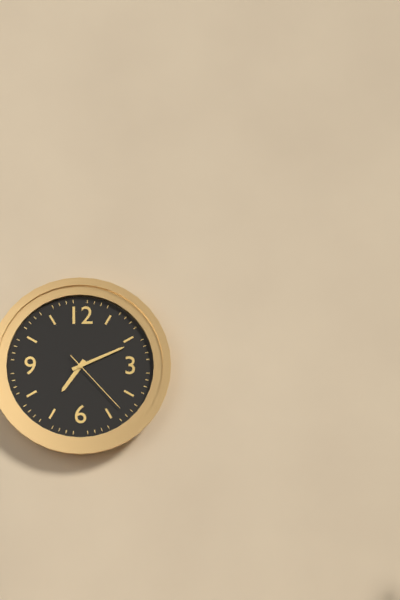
7h11m23s
